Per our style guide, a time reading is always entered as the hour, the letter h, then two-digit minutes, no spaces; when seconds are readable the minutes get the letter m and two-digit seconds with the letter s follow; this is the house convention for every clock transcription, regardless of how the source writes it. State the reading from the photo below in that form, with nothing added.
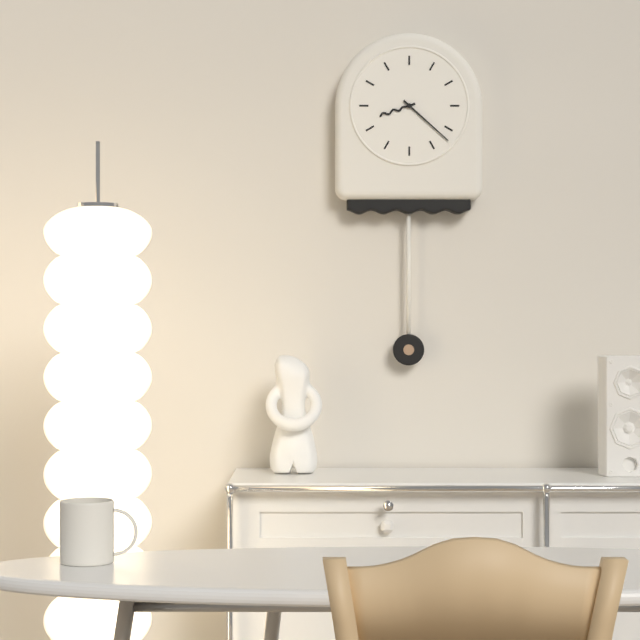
8h22
